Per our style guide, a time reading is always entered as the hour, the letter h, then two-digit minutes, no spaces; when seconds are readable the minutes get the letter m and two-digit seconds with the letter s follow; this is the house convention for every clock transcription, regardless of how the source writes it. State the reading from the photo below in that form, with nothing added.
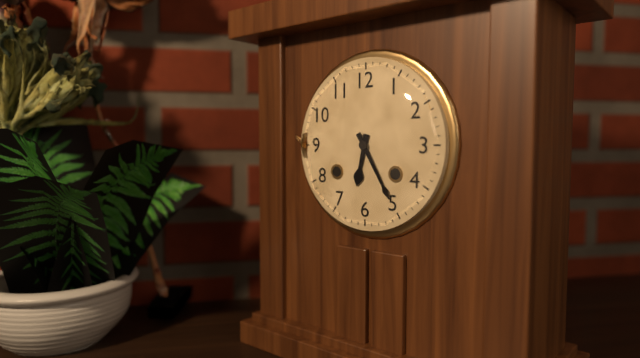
6h25
